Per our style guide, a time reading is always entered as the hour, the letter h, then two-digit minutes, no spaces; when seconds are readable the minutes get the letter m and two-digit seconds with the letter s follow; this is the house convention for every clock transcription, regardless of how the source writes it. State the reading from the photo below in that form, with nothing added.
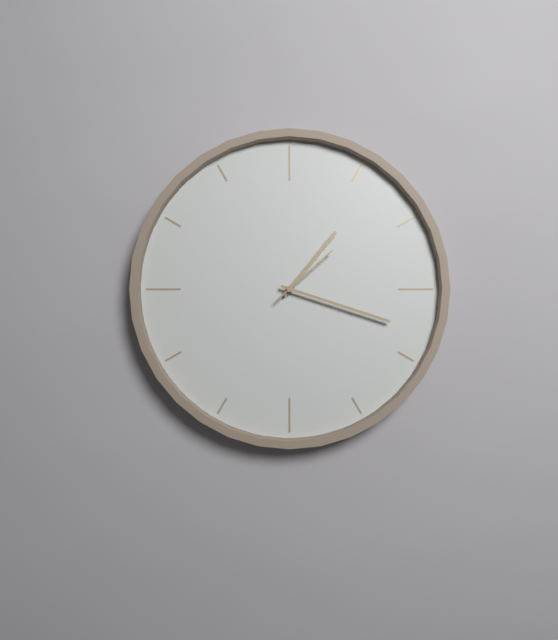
1h18m08s
